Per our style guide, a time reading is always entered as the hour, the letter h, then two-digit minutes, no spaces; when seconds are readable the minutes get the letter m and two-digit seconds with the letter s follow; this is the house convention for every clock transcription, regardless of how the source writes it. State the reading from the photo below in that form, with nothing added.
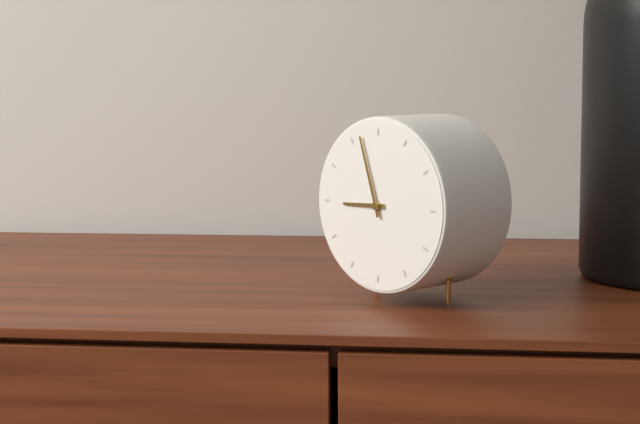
8h57
